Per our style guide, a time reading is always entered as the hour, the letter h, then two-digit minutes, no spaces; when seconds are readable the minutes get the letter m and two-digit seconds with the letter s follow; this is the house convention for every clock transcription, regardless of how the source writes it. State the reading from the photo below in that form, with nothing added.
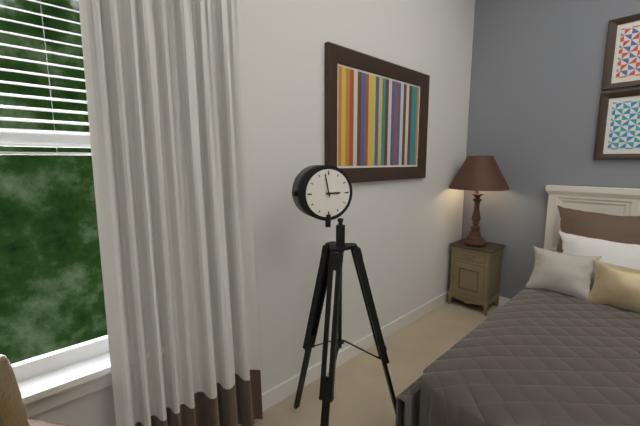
2h58
